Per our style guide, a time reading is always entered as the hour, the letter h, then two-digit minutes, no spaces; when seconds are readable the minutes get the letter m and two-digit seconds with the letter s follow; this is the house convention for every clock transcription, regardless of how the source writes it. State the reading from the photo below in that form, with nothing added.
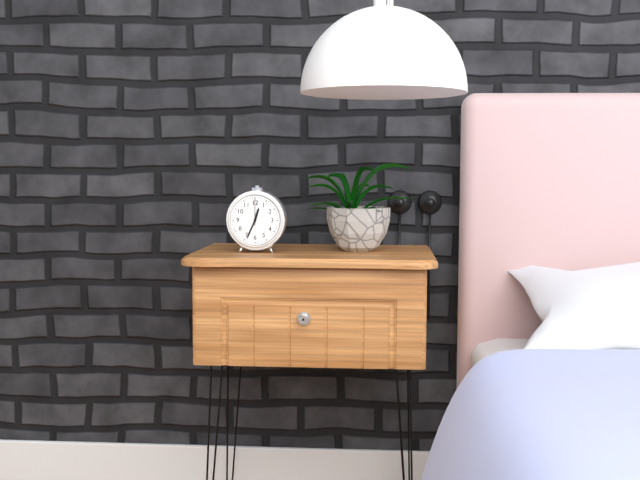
12h34
